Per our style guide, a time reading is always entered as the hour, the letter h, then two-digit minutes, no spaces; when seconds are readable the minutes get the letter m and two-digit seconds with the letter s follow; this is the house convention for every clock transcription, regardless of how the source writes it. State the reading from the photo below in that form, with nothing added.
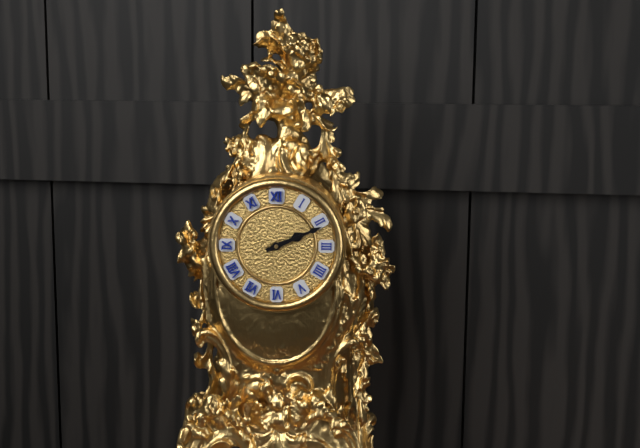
2h11
